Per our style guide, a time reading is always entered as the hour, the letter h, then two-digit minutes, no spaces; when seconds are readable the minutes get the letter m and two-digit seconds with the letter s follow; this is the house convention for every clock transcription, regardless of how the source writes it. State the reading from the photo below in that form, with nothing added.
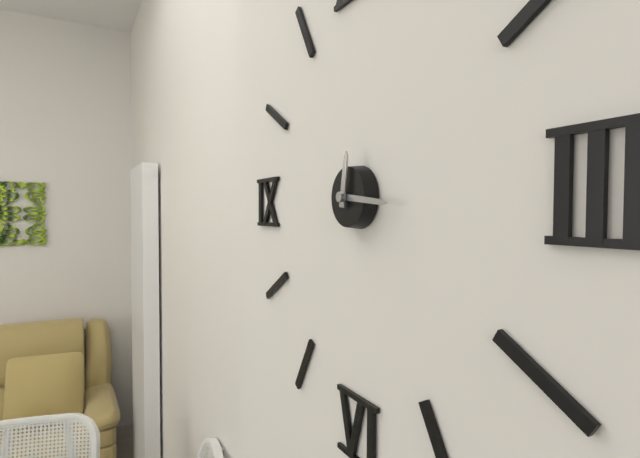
12h16
